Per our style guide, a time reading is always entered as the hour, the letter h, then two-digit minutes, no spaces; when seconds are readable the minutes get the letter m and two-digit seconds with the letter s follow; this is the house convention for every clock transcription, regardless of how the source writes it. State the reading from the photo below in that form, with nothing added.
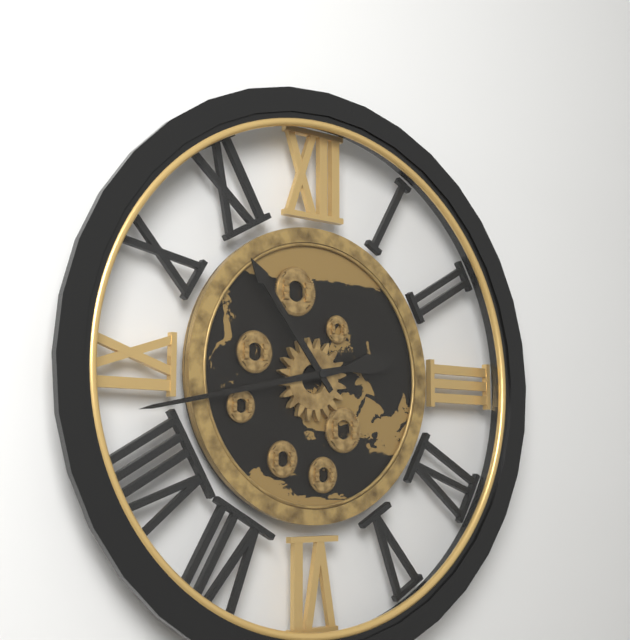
10h43
